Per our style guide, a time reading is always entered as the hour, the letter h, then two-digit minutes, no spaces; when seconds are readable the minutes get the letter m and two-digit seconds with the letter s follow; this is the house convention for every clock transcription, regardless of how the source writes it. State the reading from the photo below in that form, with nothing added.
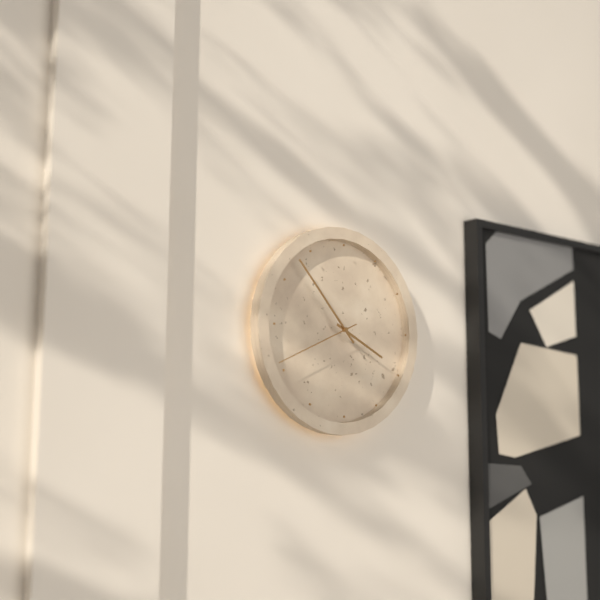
3h53m41s
